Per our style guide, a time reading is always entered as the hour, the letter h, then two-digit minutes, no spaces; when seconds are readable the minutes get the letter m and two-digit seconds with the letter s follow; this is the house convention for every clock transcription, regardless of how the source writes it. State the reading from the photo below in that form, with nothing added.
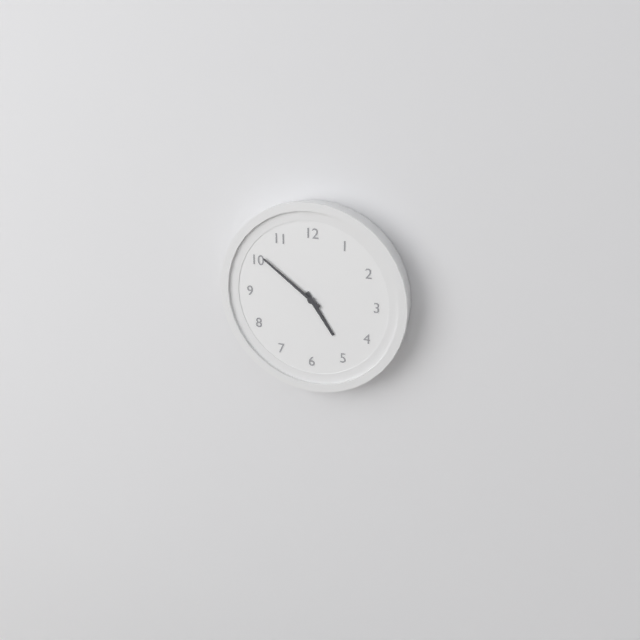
4h51
